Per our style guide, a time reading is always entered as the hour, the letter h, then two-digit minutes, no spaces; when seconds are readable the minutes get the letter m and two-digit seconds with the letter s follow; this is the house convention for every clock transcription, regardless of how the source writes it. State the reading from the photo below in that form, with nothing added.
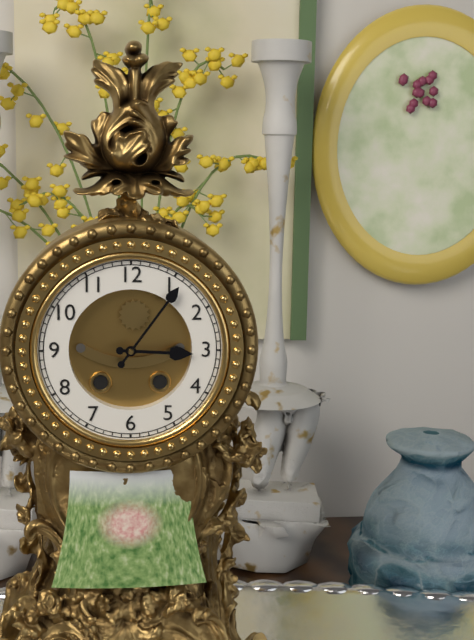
3h06
